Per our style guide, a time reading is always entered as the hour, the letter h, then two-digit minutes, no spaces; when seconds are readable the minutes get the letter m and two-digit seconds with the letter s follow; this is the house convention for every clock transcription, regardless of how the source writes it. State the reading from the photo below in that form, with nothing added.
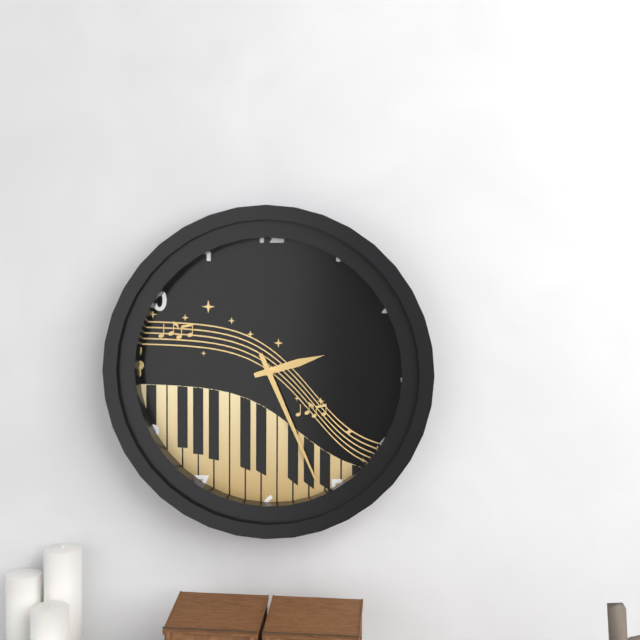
2h26
